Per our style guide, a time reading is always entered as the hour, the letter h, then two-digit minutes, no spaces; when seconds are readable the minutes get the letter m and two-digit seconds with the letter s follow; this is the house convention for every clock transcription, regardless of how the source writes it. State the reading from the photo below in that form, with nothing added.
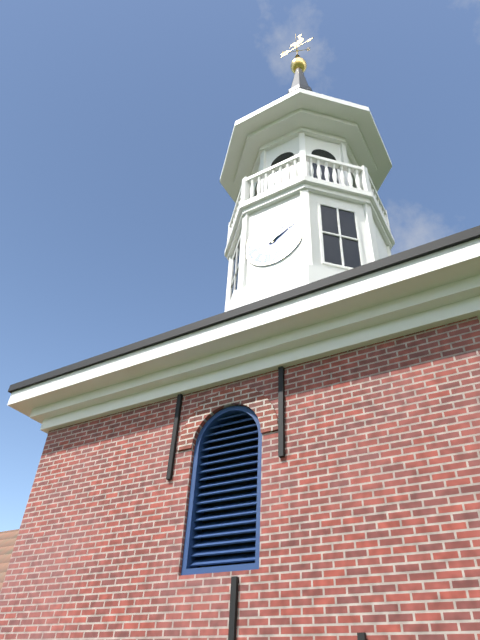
1h10
